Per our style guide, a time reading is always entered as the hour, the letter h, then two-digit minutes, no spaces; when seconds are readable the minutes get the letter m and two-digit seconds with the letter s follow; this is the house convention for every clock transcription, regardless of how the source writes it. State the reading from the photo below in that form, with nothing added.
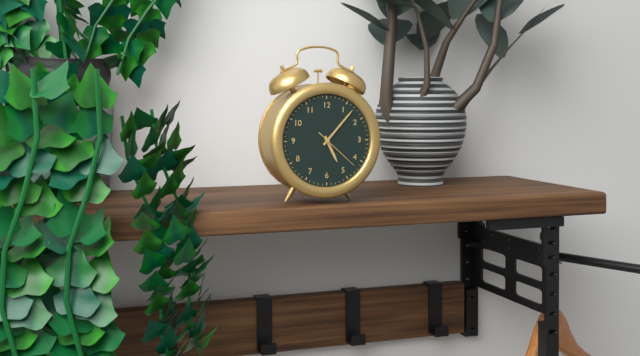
5h07
